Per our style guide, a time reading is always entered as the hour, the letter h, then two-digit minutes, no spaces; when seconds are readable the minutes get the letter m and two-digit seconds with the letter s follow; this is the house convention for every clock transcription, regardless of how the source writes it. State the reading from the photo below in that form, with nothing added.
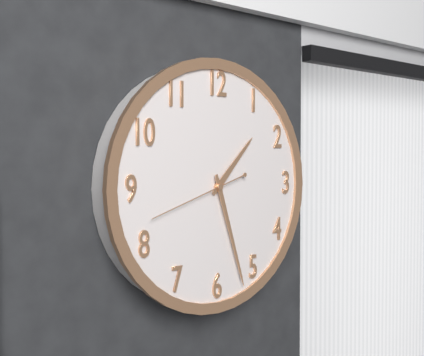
1h27m42s
